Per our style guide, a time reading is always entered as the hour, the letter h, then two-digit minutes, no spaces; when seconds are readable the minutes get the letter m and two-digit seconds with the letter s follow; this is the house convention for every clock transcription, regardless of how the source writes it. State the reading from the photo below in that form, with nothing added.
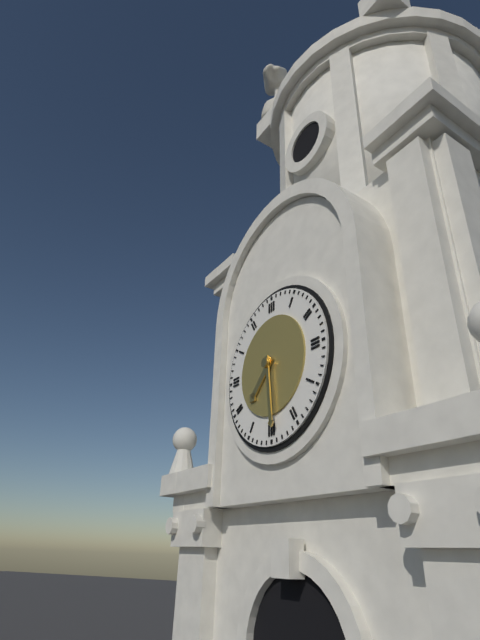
7h29
